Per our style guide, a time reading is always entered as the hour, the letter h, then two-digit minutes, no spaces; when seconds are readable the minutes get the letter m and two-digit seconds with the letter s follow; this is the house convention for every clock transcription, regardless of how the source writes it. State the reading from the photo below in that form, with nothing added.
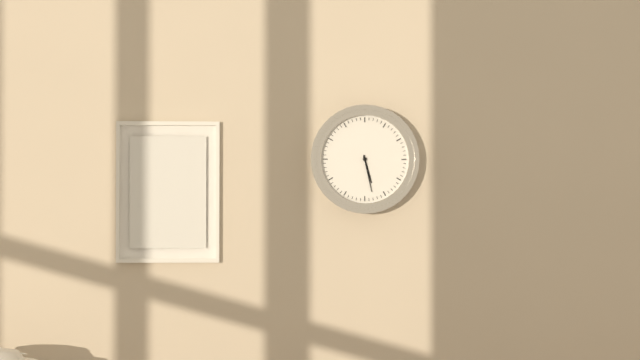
5h28
